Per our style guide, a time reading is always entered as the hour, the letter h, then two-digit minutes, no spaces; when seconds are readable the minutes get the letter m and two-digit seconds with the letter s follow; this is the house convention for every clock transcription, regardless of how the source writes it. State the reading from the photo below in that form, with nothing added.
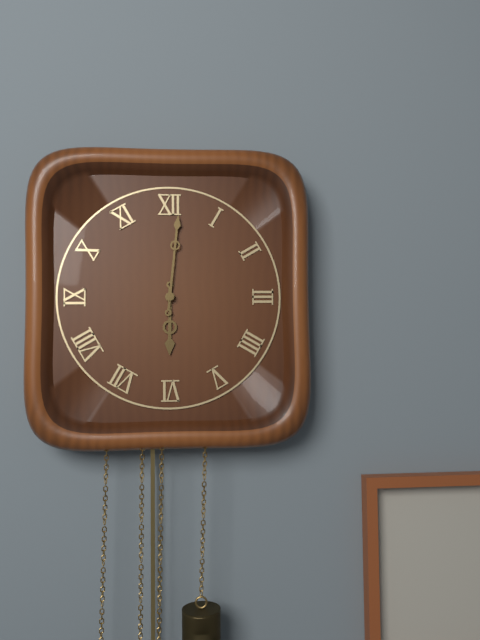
6h01
